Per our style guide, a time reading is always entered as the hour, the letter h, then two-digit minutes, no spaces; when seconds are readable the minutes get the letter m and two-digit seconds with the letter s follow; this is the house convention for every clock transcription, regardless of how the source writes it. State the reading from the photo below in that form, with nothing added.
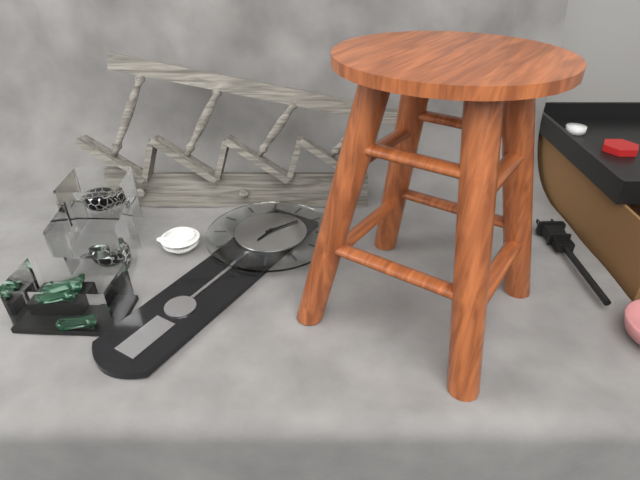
6h04
